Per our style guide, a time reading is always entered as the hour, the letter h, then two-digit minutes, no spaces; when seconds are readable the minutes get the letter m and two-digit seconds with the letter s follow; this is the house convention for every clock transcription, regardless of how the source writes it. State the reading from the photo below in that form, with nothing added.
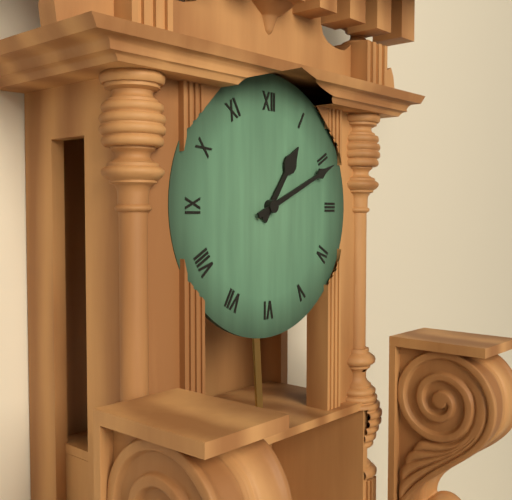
1h11
